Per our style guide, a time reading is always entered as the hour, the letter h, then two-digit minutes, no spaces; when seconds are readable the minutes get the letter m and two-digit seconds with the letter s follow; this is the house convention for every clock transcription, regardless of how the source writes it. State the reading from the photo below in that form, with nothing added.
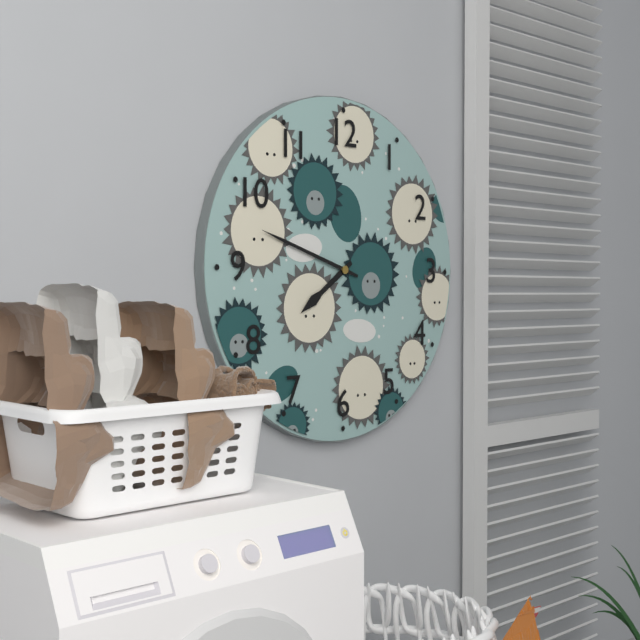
7h48
